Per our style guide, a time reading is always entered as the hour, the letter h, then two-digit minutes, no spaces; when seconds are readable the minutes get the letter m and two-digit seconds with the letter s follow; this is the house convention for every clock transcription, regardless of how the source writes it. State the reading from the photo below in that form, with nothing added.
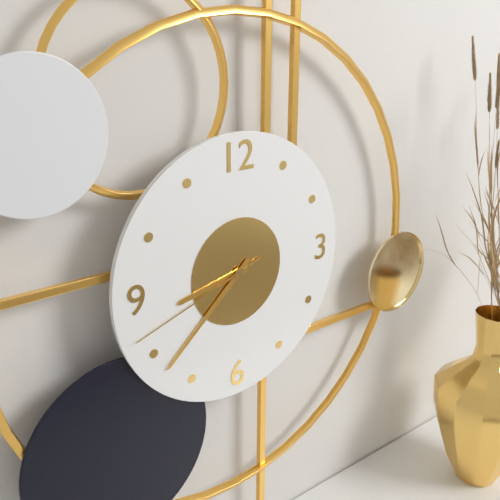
8h38m42s
